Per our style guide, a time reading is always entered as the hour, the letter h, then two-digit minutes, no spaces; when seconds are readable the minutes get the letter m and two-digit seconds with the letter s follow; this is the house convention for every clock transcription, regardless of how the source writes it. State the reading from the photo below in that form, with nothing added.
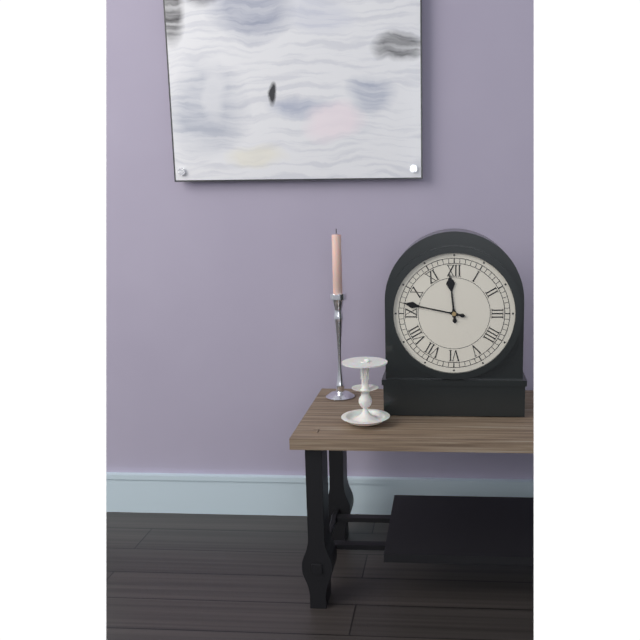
11h47
